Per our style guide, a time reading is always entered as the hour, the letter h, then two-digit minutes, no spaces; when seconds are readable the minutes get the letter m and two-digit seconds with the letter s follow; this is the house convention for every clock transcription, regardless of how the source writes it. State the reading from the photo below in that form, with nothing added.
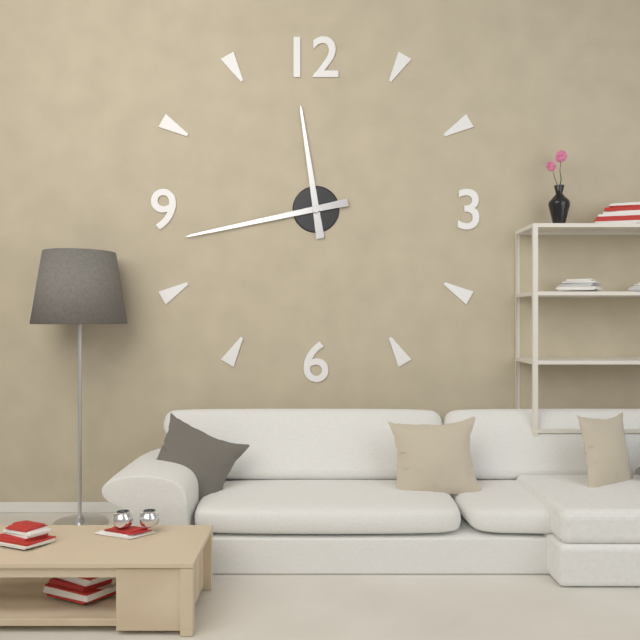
11h43
